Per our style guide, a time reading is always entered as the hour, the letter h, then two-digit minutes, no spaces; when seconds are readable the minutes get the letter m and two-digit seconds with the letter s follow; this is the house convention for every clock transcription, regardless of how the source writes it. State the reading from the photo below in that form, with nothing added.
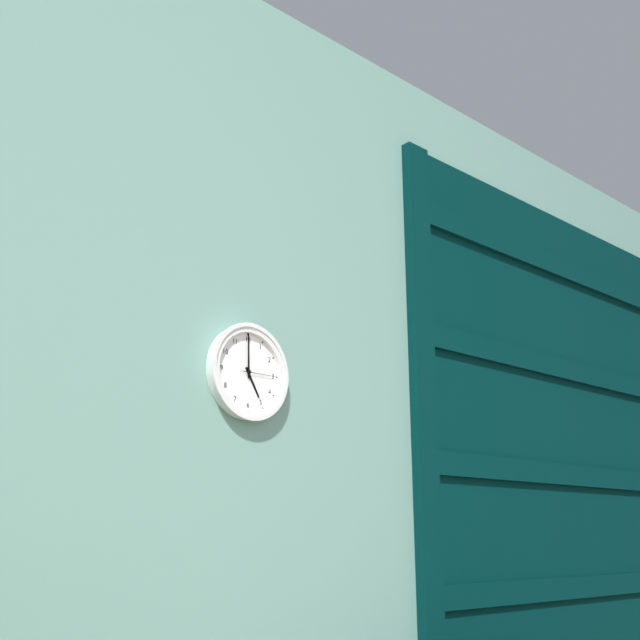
5h00
